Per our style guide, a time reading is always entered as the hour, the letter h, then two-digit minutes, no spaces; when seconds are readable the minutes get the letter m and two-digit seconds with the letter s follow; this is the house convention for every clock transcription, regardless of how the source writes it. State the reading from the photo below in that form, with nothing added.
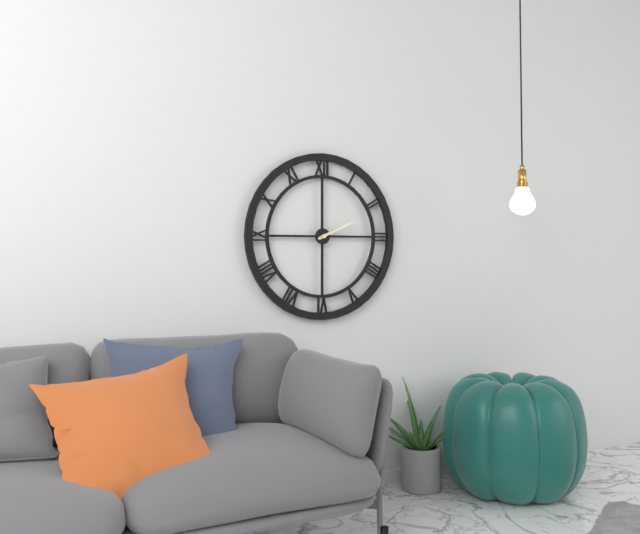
2h11
